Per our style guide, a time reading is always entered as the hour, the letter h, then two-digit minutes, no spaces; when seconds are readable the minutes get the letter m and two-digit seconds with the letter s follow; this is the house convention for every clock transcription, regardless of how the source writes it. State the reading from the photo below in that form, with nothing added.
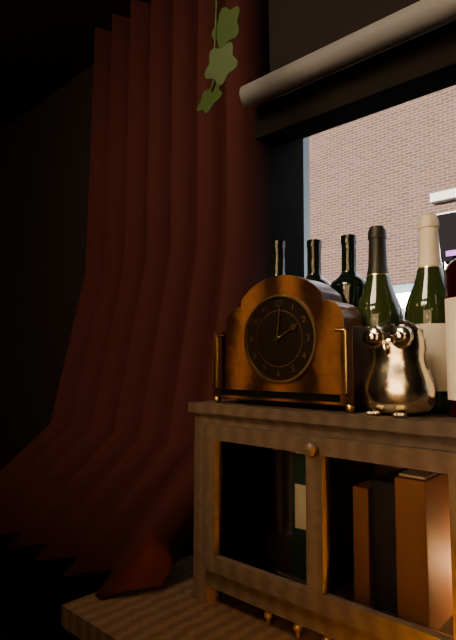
2h01
